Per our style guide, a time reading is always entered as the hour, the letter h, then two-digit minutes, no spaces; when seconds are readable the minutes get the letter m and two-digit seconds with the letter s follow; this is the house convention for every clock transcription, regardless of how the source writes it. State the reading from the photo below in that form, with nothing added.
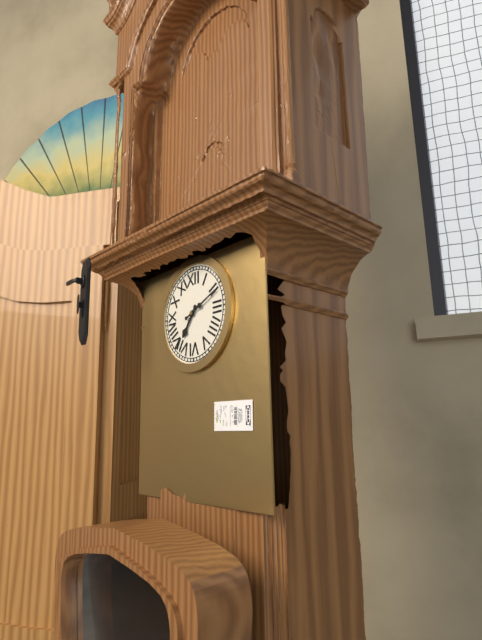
7h11
